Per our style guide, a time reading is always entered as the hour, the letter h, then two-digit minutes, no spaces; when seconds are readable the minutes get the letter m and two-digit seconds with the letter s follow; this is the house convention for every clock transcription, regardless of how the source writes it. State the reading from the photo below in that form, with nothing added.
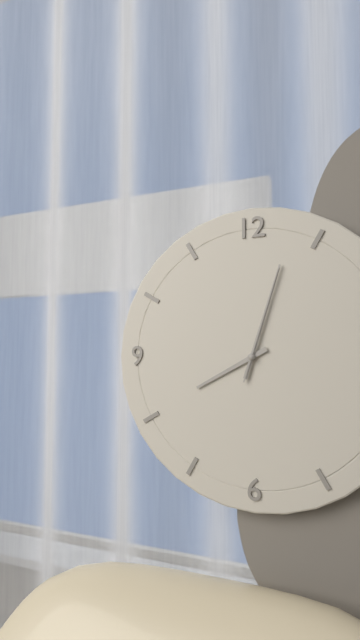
8h03m03s
